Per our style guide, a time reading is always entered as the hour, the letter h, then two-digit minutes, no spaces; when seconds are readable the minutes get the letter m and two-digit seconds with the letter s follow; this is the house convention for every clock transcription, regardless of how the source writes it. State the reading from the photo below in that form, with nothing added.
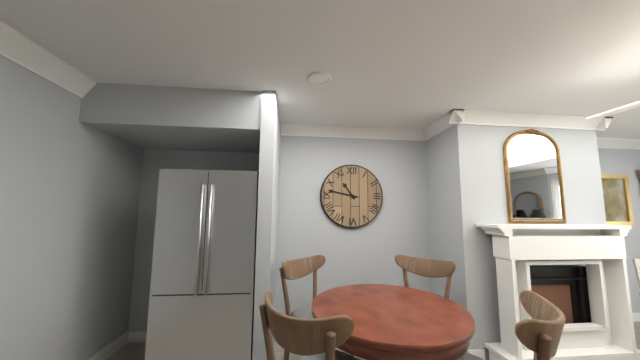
10h47
